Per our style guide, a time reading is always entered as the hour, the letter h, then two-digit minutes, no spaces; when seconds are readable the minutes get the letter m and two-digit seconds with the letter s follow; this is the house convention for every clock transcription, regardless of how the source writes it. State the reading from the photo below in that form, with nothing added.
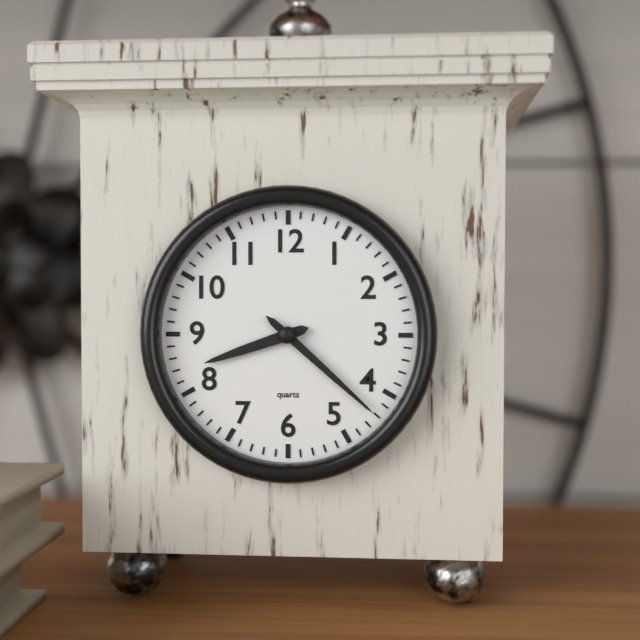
8h22
